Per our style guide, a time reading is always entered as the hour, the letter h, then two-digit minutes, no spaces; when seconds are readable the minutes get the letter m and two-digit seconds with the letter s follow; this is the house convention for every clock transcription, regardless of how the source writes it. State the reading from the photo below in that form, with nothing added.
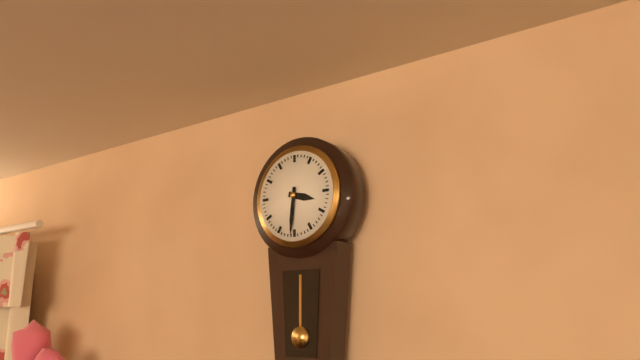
3h31
